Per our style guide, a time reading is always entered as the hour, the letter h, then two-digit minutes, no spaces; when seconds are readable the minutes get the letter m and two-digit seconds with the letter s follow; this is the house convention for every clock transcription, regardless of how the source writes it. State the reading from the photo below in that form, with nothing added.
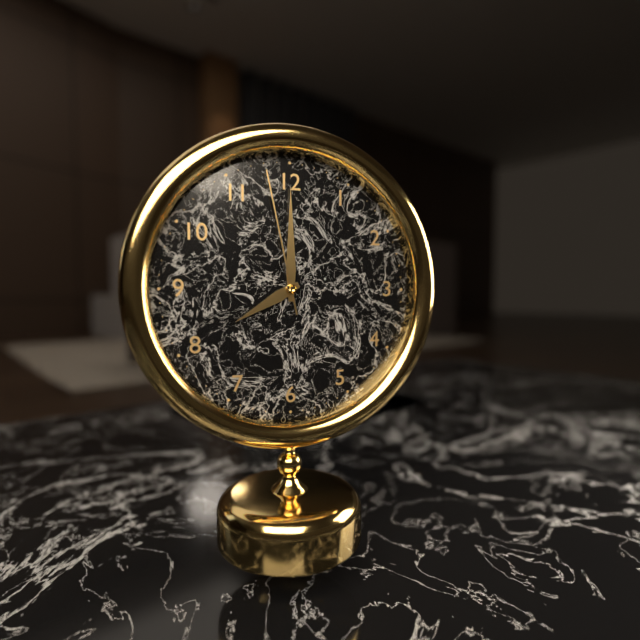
8h00m58s
